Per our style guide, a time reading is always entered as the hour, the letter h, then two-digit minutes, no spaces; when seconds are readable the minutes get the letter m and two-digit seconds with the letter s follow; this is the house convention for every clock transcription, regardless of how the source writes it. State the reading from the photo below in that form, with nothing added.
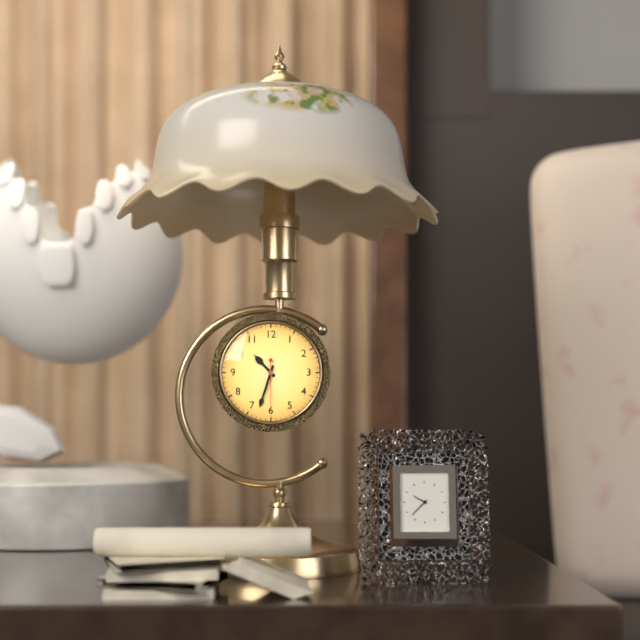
10h33
